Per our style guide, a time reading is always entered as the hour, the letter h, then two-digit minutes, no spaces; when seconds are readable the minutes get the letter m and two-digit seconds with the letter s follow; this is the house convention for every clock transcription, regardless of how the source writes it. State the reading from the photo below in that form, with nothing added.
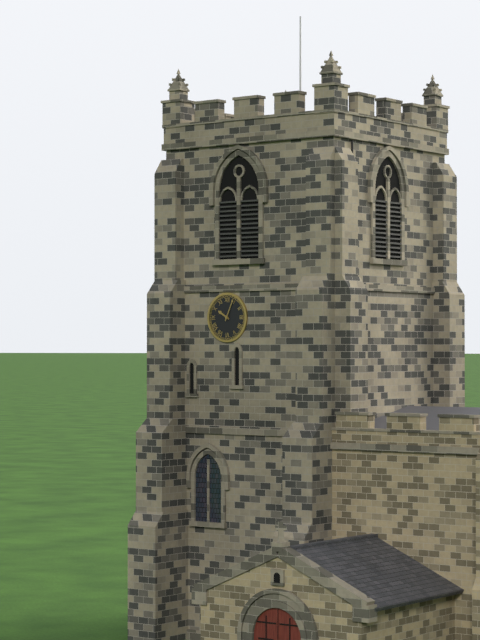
10h04
